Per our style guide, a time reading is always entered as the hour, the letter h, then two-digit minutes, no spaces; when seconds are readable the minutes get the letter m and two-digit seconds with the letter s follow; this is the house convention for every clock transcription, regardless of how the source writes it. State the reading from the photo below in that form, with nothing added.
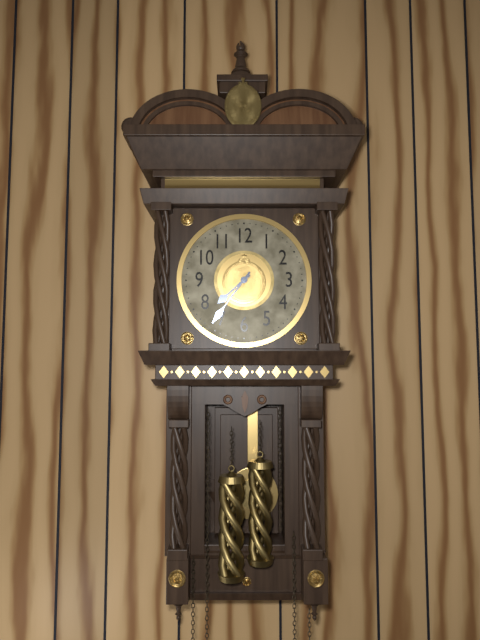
7h36
